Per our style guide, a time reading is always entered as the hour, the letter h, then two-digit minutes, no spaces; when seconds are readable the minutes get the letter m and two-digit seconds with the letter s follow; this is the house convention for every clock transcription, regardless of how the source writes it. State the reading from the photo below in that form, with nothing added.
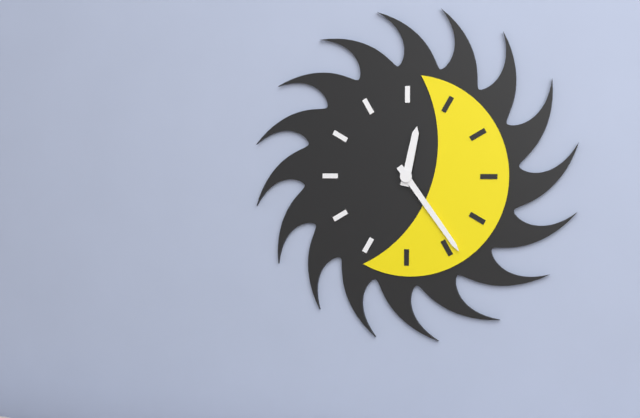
12h24
